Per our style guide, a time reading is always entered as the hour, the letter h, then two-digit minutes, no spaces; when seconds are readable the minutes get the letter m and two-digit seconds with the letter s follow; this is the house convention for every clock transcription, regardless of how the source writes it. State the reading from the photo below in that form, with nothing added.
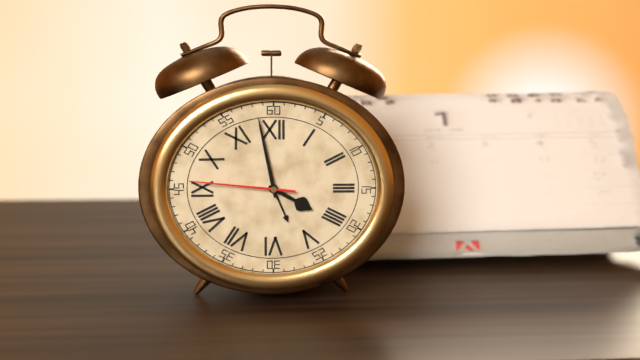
3h58m46s
